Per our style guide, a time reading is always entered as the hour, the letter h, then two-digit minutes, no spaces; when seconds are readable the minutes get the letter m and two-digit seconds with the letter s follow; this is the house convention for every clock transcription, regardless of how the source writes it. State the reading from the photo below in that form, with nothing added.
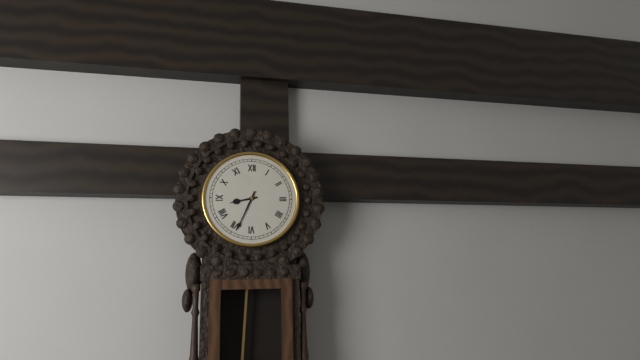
8h34
